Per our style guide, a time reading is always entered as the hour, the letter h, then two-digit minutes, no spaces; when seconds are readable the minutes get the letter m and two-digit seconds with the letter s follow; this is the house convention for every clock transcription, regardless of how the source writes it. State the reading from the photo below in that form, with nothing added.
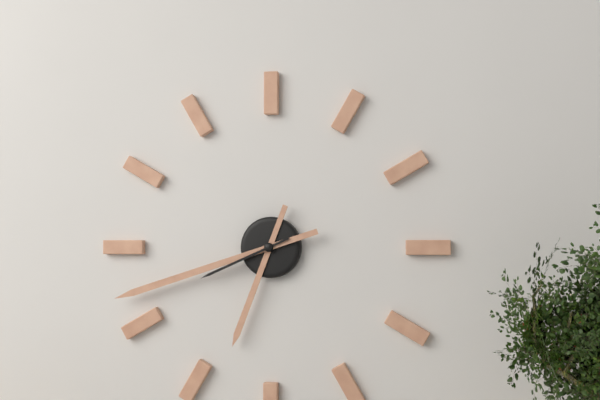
6h42m41s
